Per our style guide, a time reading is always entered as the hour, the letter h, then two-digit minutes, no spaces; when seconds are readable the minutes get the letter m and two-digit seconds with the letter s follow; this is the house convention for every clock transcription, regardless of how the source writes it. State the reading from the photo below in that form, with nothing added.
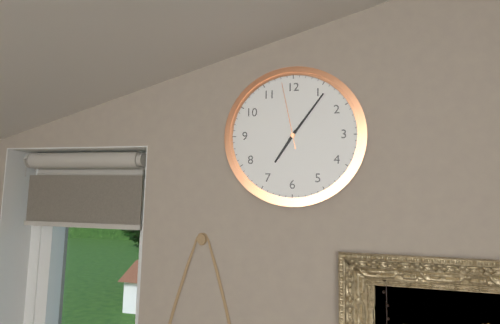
7h06m58s
